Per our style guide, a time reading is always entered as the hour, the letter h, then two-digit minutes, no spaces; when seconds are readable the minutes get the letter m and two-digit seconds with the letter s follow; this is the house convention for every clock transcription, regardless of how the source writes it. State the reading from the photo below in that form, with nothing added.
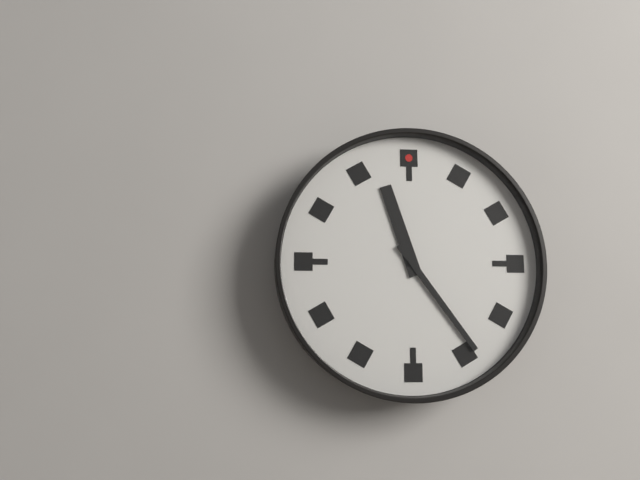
11h24
